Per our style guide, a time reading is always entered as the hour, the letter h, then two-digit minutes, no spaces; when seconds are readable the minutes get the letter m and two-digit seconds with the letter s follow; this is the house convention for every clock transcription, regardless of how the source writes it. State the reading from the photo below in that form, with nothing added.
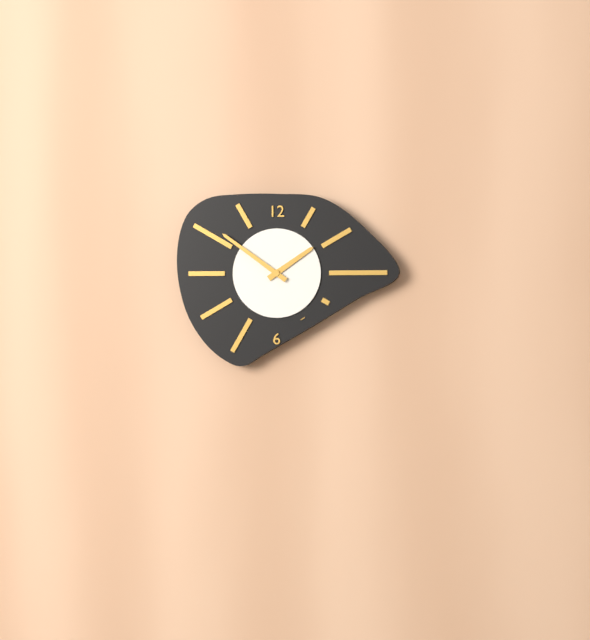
1h51
